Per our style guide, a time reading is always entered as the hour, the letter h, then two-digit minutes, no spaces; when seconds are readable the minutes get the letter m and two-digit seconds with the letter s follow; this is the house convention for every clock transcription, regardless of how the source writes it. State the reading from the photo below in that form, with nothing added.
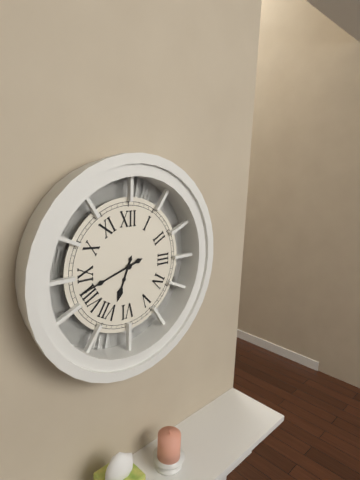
6h42
